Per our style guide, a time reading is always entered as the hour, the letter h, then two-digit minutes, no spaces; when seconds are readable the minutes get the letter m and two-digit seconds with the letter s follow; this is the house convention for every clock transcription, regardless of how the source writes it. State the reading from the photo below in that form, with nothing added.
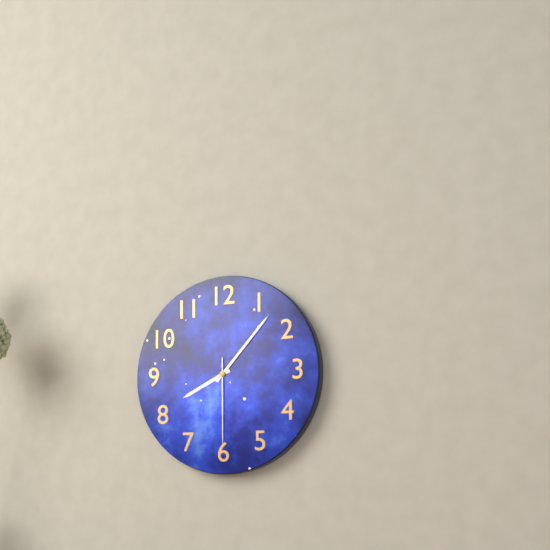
8h07m30s
